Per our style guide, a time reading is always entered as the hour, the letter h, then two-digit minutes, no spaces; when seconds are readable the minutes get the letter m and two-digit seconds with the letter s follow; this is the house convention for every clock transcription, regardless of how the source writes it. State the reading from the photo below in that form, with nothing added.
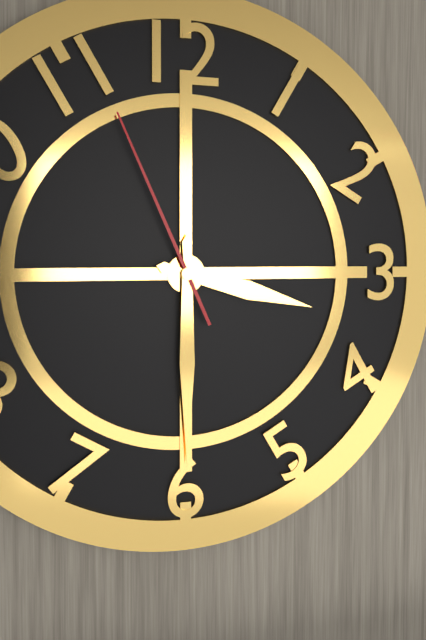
3h30m56s
